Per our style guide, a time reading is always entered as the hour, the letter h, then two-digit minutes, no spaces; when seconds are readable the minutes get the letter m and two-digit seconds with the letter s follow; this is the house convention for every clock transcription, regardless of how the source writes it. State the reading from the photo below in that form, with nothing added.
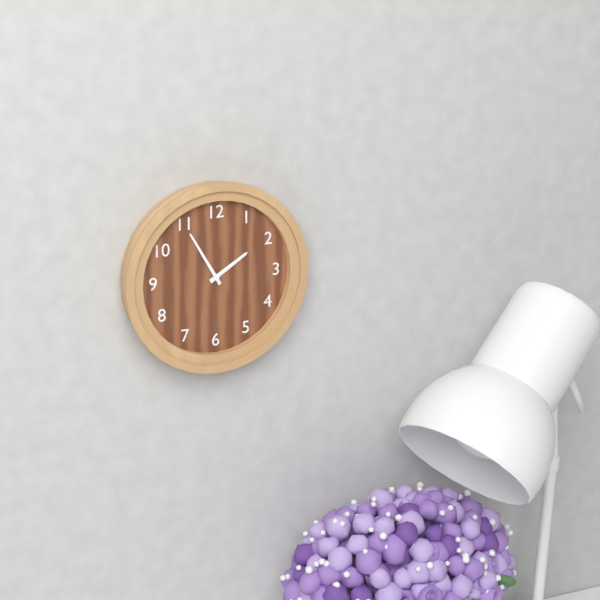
1h55
